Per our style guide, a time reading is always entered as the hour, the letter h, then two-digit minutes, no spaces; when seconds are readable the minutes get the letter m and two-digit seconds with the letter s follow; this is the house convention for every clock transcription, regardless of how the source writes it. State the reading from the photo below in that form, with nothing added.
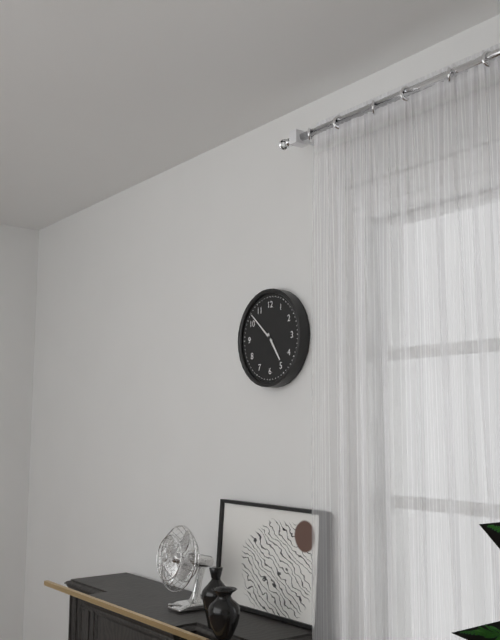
4h52
